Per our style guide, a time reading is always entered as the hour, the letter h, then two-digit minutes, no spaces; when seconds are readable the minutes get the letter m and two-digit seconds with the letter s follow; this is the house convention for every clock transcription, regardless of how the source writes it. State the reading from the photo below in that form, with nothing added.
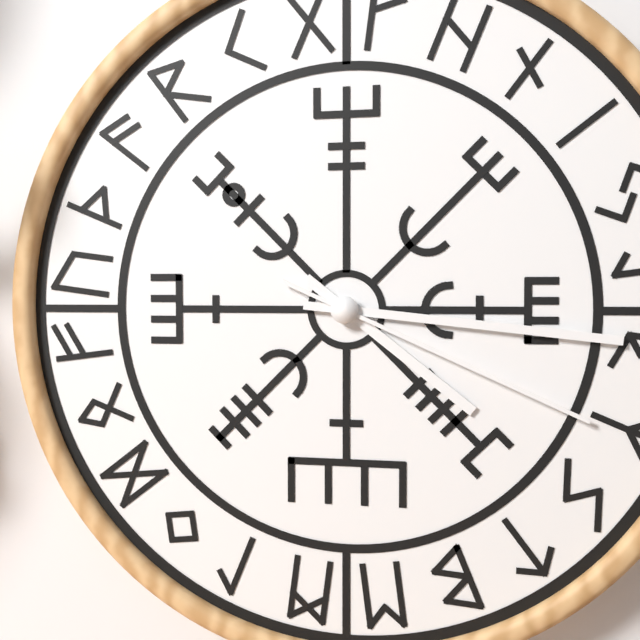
4h16m19s
